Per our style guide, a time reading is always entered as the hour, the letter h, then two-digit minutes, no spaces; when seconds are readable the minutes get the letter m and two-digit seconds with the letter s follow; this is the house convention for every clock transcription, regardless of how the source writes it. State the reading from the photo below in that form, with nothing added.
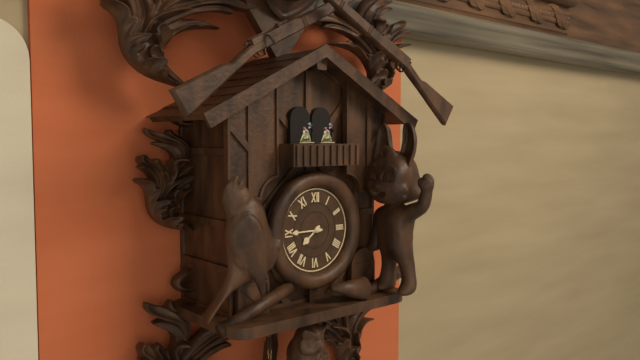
7h45
